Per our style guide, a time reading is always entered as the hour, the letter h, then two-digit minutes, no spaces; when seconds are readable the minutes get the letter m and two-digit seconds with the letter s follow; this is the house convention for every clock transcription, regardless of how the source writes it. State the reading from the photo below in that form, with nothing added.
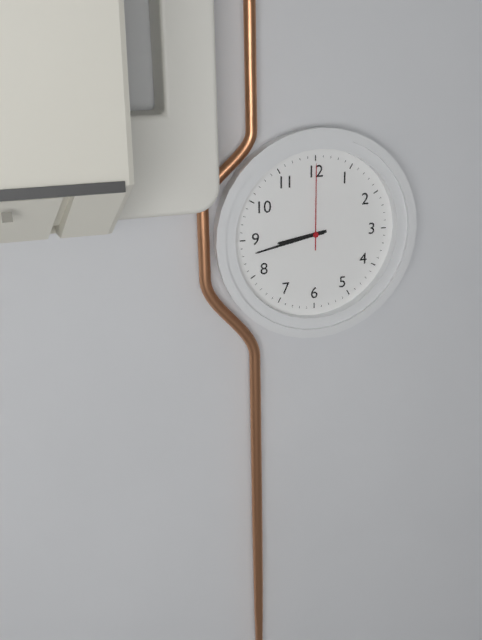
8h43m00s
